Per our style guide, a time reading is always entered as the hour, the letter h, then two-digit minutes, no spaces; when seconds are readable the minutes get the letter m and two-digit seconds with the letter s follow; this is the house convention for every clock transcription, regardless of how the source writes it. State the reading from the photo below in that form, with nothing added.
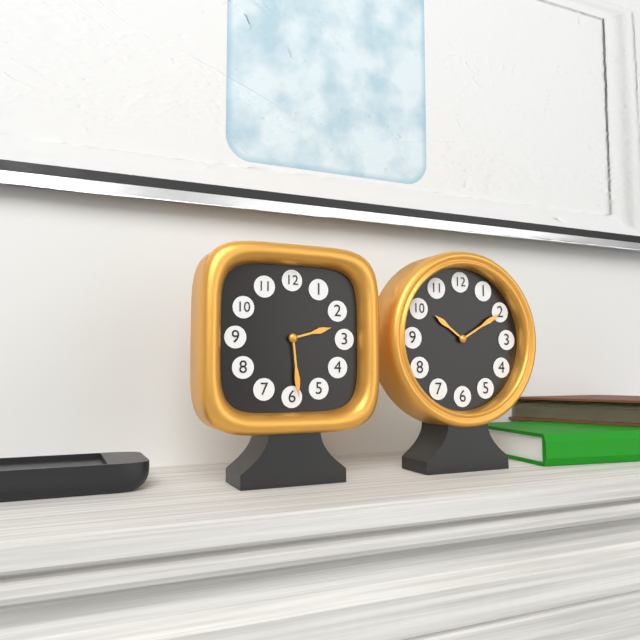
2h29
